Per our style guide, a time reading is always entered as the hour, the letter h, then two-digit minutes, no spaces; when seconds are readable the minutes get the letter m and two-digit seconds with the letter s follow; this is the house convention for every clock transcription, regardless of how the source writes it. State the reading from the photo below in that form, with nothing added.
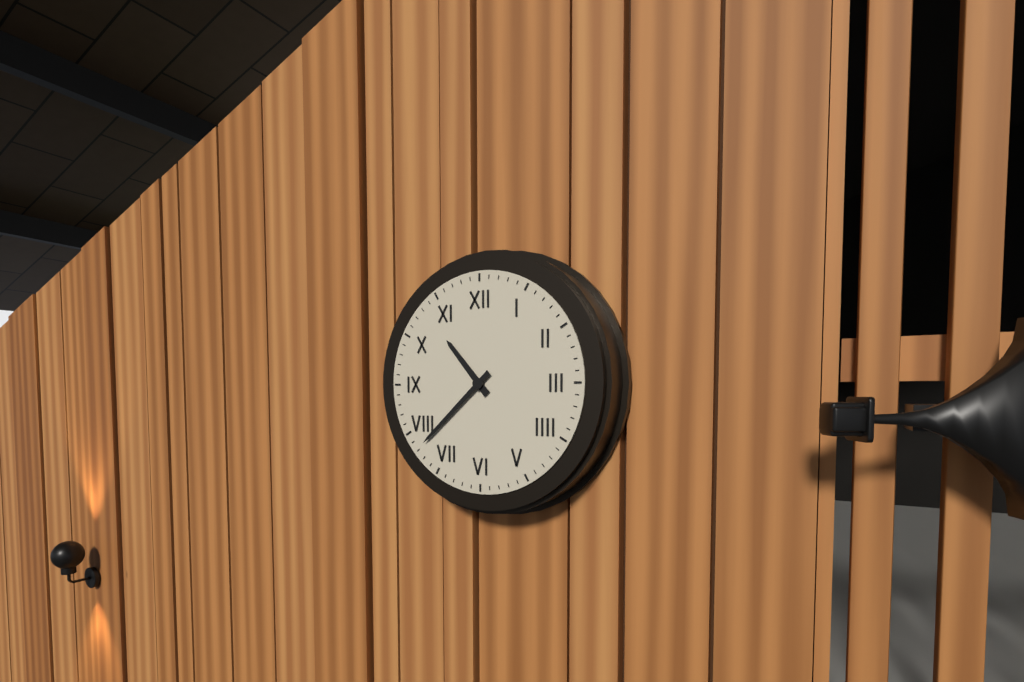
10h38
